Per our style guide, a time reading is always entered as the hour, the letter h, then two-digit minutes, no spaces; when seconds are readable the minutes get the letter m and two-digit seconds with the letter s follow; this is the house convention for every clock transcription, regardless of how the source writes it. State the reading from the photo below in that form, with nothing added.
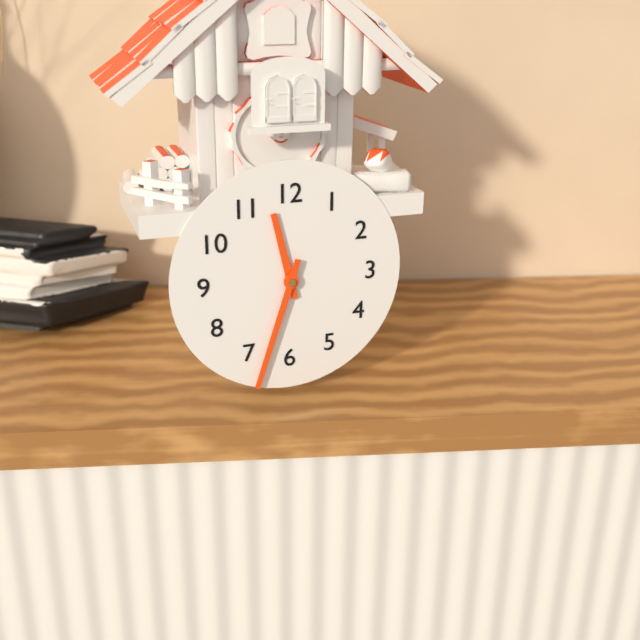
11h33
